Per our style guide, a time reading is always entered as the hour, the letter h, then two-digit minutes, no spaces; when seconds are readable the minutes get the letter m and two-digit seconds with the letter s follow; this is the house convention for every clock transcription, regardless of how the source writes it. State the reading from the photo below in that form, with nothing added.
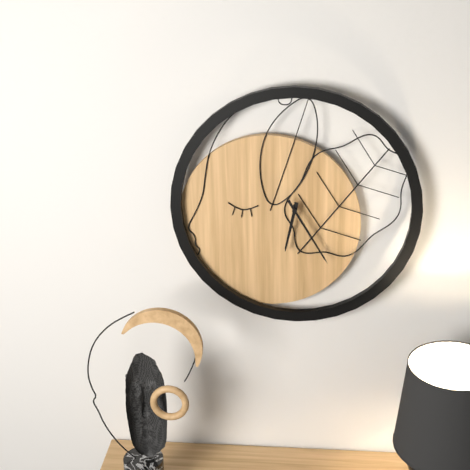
6h25
